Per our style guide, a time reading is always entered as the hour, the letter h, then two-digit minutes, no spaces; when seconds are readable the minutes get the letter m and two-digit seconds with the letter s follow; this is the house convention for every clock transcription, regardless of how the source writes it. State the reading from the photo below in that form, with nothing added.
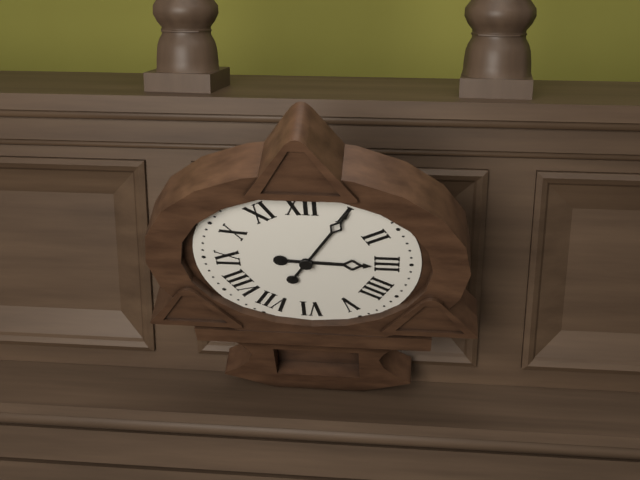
3h05
